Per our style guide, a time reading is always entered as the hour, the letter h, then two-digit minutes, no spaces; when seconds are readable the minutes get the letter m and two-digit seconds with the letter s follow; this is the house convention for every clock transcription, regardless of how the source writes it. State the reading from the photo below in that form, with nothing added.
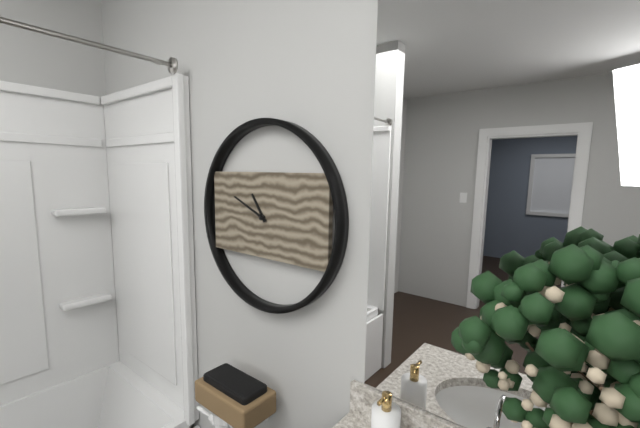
10h49
